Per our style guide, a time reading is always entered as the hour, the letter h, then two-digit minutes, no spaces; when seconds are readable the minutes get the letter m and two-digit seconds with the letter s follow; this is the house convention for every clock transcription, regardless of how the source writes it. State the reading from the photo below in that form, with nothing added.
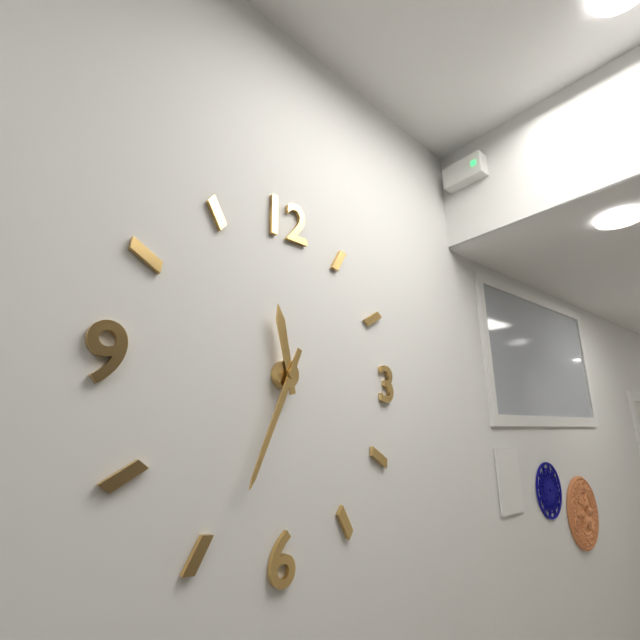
11h34
